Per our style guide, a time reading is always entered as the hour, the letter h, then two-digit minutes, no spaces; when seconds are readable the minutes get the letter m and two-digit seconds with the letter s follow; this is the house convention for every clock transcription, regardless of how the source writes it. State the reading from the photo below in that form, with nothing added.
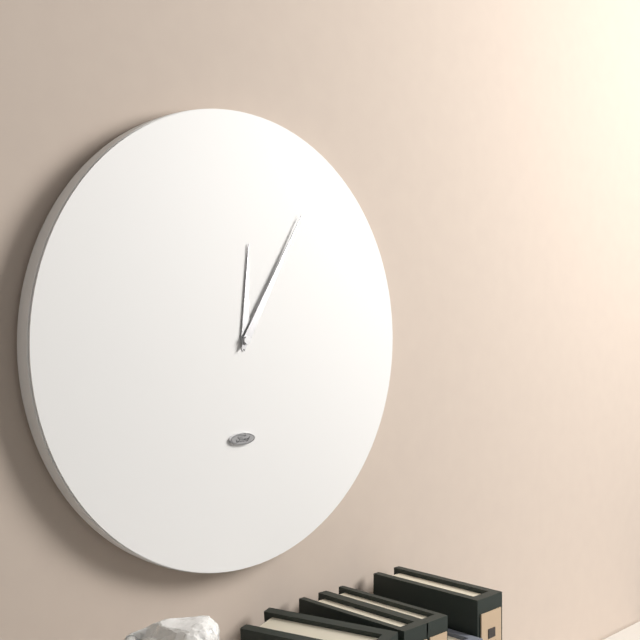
12h05
